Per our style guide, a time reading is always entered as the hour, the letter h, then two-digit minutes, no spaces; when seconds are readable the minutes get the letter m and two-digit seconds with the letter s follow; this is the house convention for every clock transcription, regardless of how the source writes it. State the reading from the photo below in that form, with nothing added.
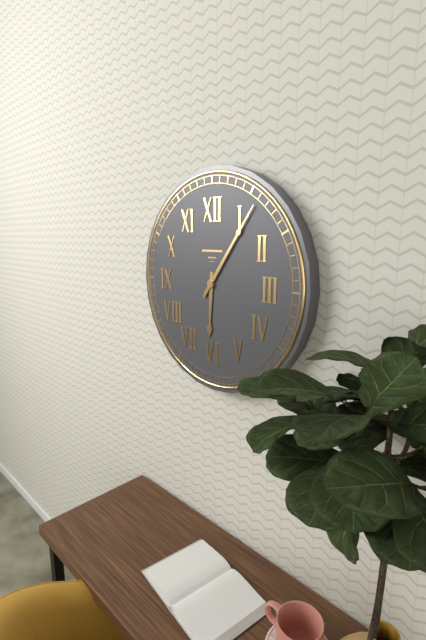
6h06
